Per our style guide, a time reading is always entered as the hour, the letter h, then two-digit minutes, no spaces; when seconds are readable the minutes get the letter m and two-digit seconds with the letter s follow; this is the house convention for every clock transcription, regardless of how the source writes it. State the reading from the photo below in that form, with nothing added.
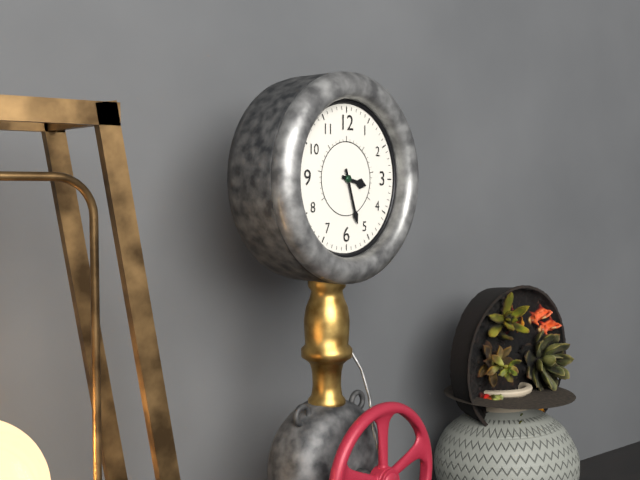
3h27
